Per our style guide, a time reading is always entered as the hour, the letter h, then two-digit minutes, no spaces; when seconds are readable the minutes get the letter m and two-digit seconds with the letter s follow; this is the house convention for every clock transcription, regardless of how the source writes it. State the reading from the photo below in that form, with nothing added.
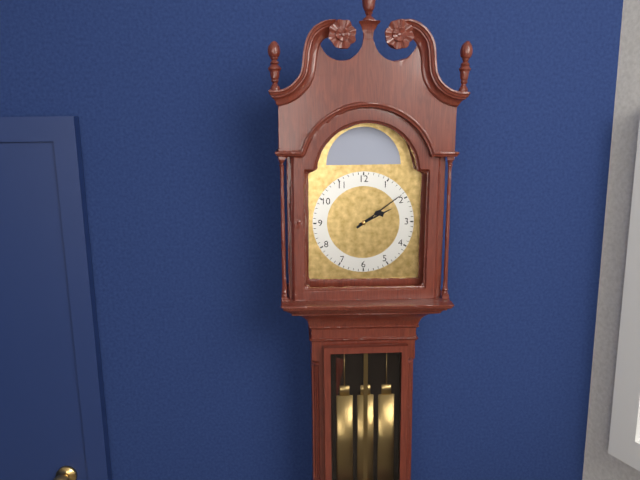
2h09
